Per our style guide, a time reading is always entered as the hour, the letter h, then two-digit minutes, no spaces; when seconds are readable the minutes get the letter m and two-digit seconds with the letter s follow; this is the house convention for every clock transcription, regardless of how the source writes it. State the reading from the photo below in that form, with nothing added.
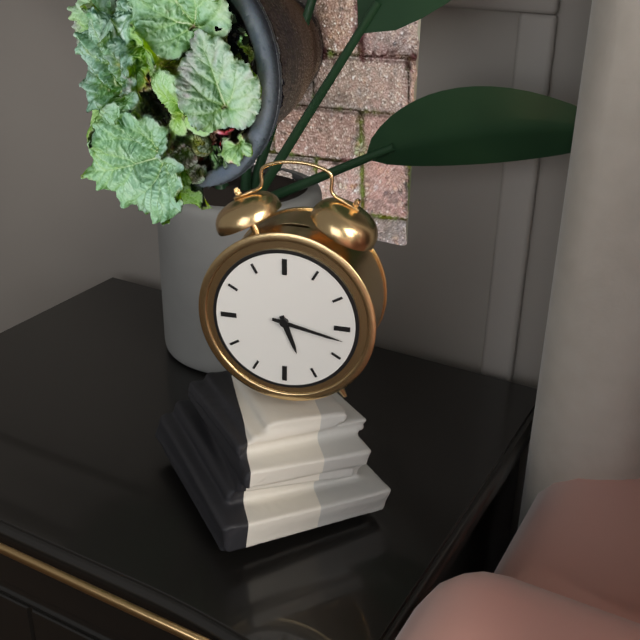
5h17
